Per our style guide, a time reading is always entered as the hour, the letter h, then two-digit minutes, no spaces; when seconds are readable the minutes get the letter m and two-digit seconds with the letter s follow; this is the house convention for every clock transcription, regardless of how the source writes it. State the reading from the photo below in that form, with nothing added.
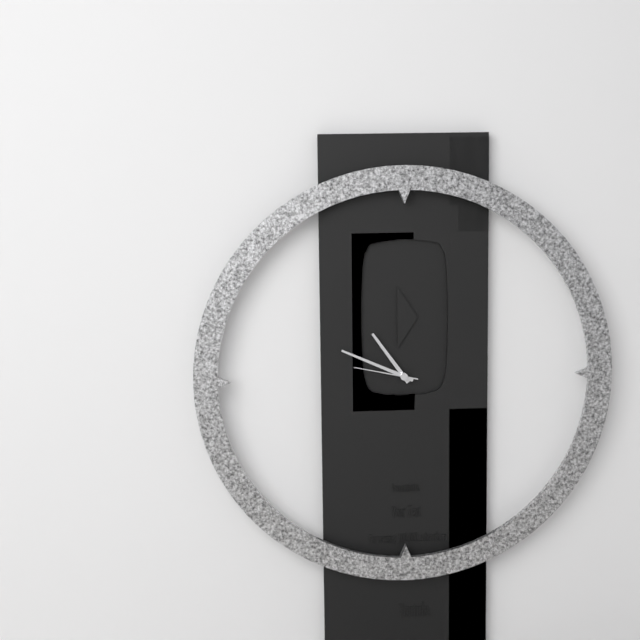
10h49m47s
